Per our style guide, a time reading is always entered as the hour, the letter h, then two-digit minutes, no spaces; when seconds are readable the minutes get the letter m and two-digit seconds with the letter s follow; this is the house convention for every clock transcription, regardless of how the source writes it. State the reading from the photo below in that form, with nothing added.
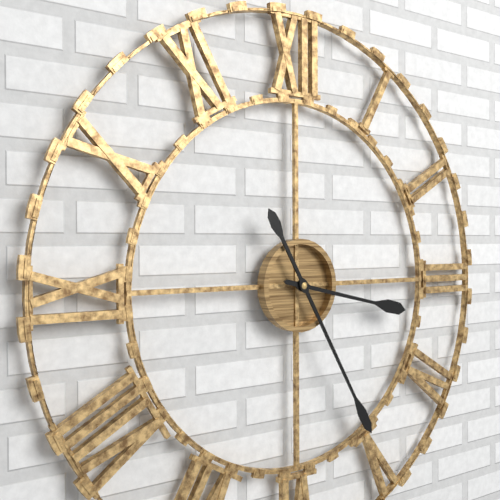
3h25
